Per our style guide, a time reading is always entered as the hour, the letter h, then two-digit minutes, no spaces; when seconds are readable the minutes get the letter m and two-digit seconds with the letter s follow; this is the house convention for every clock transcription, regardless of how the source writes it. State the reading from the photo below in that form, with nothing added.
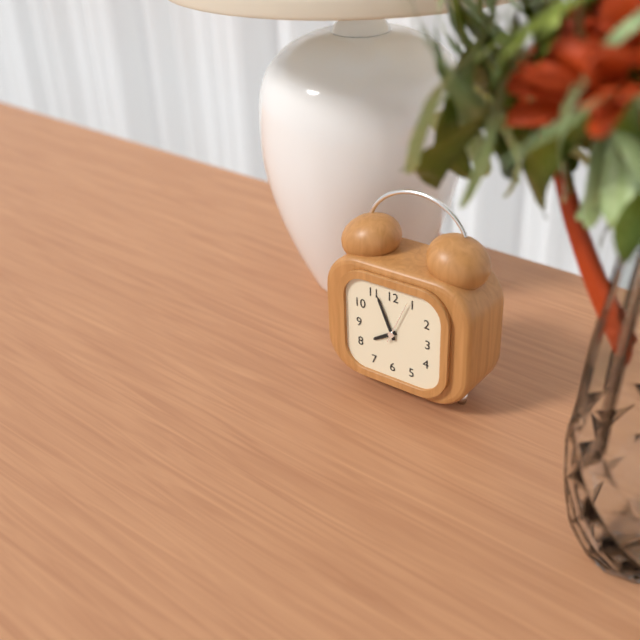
7h56
